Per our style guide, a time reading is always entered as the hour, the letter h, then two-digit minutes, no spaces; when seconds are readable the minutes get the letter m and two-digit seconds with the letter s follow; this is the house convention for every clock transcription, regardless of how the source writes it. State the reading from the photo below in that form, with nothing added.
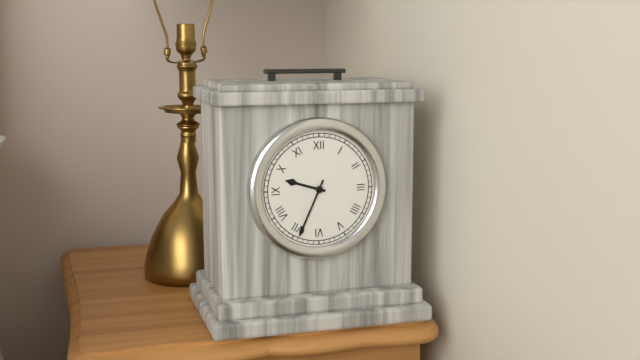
9h34
